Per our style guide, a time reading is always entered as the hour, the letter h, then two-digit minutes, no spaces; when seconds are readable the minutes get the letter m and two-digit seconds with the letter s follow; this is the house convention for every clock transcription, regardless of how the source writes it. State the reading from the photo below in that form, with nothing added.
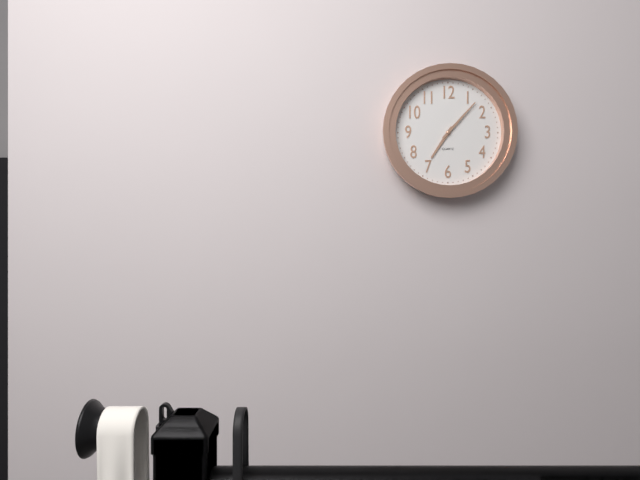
7h07
